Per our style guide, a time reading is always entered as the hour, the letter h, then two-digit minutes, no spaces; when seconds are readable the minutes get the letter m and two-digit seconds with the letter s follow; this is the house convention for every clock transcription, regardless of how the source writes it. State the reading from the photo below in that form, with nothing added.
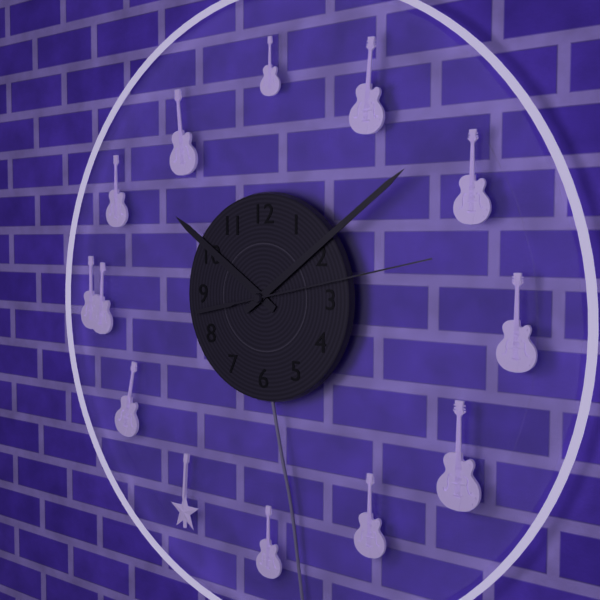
10h09m13s
